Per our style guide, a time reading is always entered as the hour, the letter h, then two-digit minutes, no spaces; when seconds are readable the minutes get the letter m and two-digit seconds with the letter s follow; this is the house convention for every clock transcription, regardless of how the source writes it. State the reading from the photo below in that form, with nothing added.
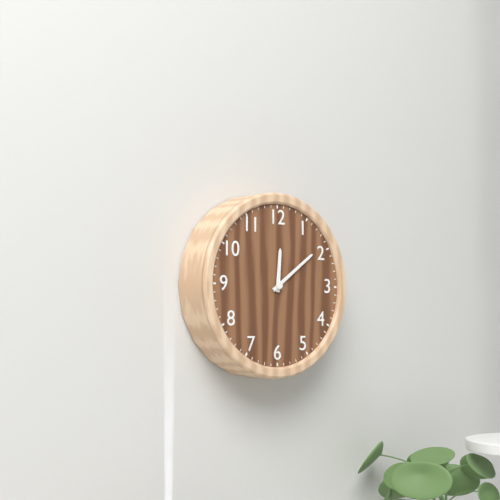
12h09
